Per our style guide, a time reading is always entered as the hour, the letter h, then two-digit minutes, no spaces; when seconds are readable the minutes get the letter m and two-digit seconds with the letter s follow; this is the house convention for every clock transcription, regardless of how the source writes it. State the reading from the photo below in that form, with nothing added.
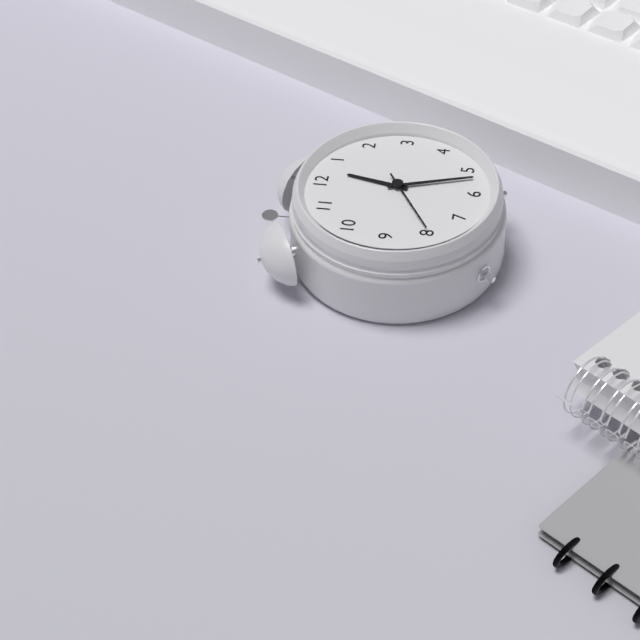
12h27m40s
